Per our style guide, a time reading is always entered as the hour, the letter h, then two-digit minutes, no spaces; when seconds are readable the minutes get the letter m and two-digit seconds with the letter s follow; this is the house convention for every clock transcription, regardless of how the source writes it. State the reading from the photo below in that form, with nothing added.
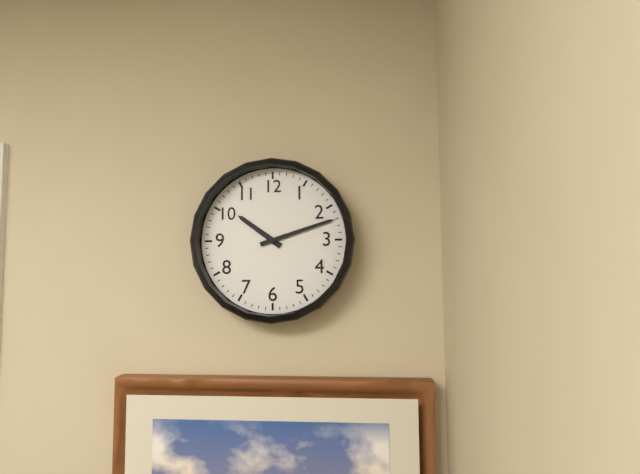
10h12
